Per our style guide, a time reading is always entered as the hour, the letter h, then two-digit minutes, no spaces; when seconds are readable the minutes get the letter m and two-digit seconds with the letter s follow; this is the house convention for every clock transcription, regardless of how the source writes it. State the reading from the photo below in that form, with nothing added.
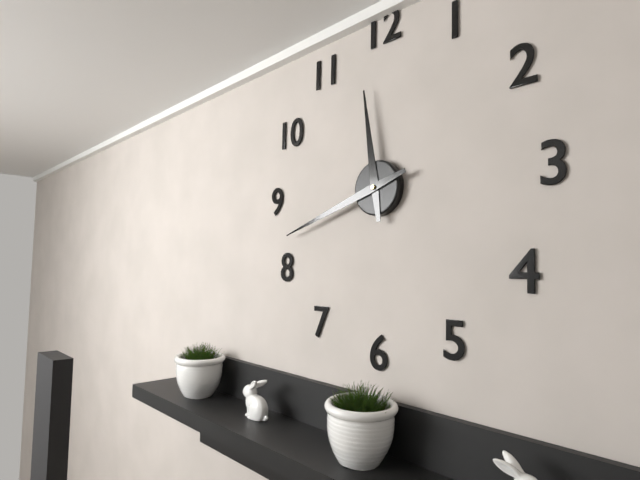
11h42
